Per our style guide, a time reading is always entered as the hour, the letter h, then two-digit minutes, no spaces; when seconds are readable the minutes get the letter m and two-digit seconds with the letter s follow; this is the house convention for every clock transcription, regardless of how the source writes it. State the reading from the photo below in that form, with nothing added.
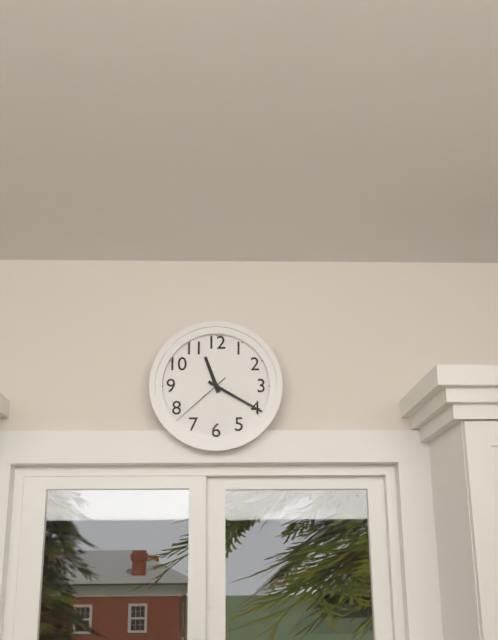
11h20m38s
